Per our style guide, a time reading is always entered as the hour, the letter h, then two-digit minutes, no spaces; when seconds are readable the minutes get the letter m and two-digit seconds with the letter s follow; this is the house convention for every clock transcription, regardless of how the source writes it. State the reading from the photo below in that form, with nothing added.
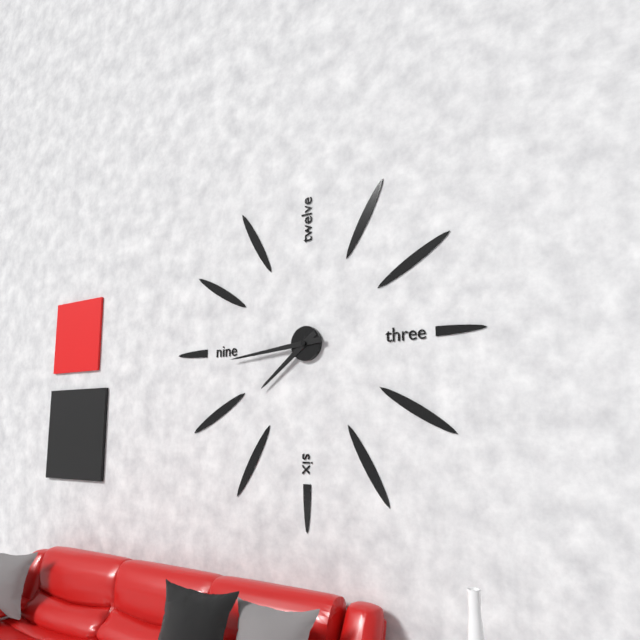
7h44
